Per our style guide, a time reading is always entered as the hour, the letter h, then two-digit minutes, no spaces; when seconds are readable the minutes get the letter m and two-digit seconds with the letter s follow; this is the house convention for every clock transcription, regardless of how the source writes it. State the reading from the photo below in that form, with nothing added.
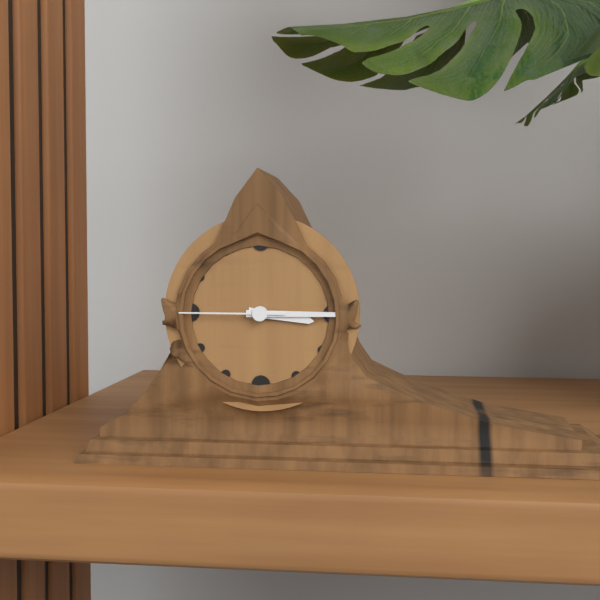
3h15m45s
